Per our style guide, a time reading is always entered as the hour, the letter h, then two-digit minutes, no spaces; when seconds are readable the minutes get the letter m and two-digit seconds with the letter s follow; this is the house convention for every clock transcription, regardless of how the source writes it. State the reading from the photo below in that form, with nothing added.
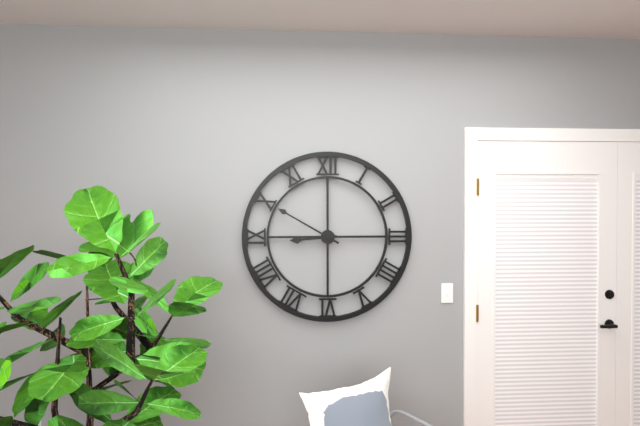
8h50
